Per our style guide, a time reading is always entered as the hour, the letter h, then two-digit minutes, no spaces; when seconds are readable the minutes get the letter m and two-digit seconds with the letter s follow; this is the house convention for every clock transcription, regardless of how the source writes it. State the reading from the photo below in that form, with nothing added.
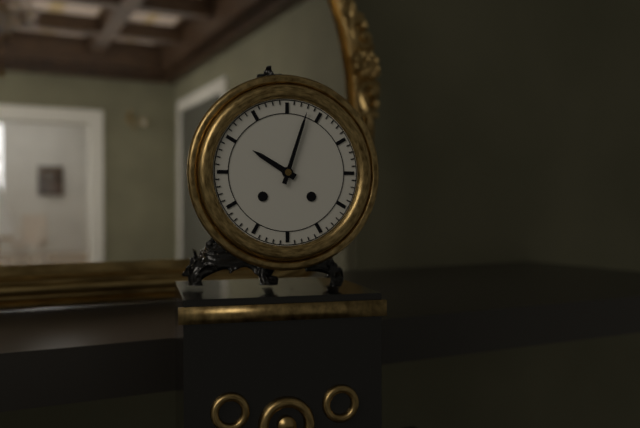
10h03
